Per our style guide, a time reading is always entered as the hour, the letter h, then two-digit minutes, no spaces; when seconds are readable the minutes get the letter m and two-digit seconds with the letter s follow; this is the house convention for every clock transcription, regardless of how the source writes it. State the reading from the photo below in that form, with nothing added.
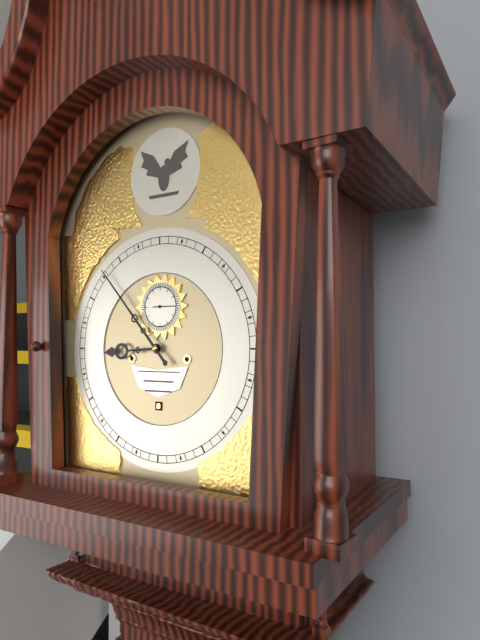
8h53
